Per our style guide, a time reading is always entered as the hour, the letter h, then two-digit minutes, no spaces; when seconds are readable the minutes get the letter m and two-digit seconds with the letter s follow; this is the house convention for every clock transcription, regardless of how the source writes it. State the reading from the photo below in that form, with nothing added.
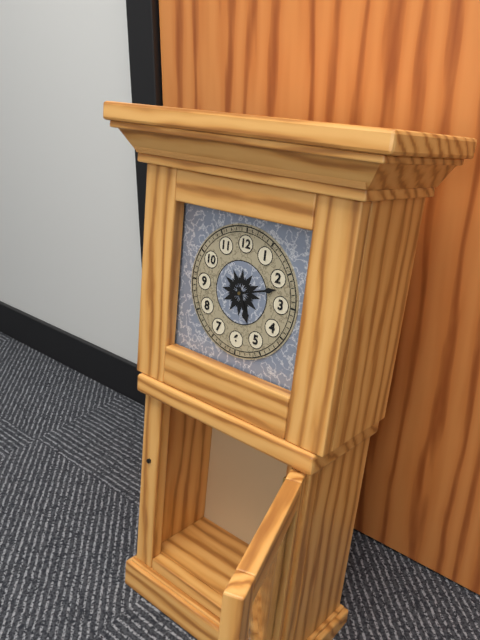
5h12
